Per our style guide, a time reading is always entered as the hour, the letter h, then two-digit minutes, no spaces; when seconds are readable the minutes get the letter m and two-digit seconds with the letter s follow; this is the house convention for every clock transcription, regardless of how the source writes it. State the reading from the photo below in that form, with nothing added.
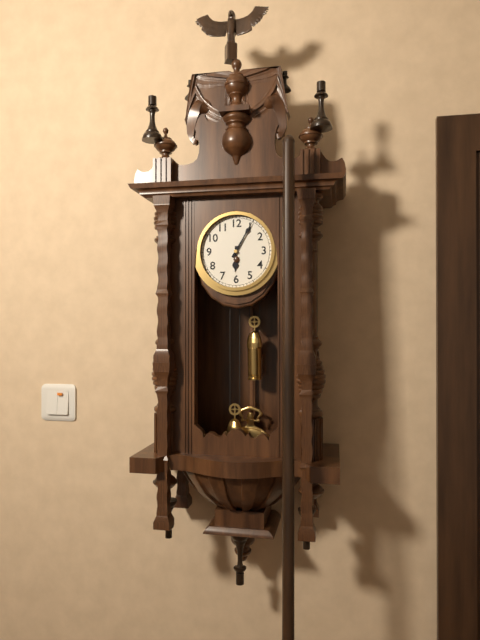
6h05
